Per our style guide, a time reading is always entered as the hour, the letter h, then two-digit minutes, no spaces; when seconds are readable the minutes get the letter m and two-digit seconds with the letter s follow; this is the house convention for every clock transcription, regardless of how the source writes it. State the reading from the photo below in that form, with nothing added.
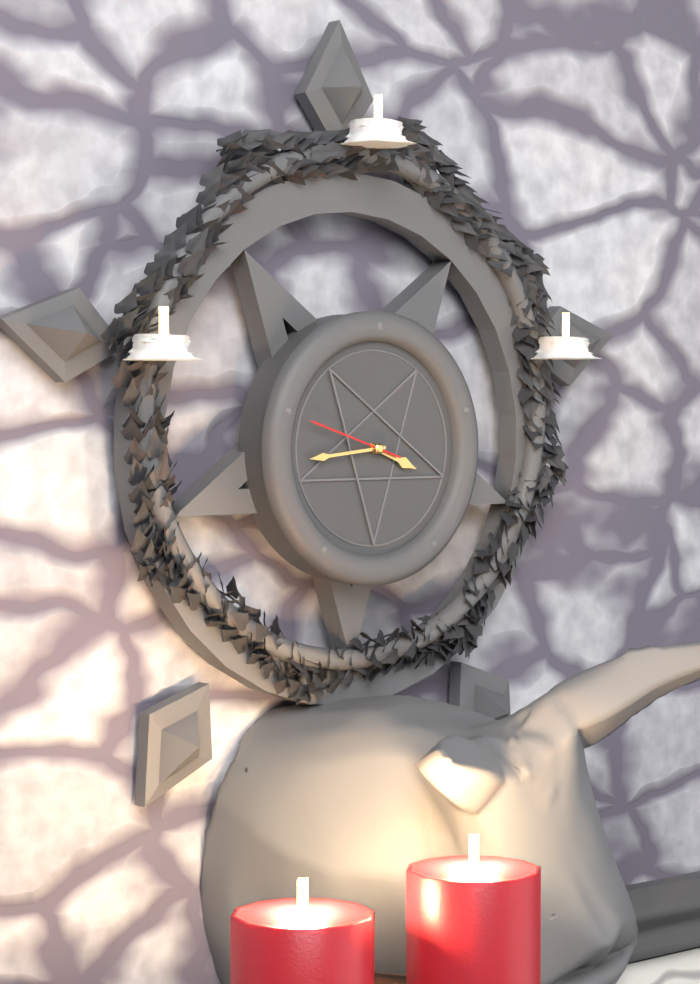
3h44m48s
